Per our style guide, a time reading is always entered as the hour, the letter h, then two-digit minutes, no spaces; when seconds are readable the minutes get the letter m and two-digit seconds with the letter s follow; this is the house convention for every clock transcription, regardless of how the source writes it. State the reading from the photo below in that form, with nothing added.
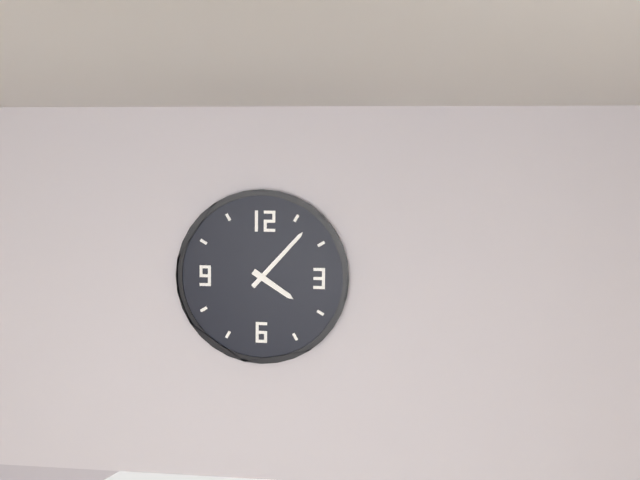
4h07
